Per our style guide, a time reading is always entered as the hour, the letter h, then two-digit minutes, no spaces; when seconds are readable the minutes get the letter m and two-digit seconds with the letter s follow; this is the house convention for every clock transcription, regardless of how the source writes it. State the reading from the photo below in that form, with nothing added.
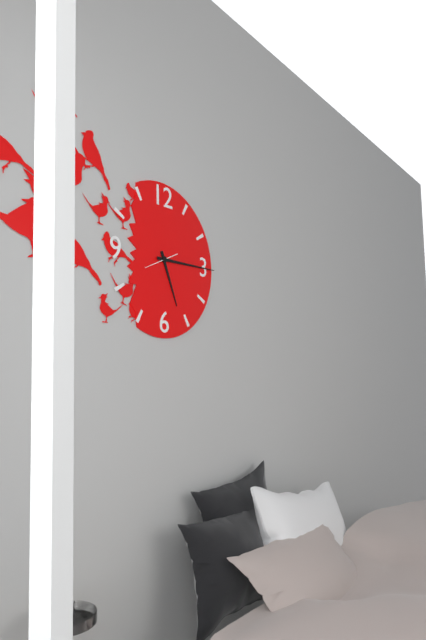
5h15
